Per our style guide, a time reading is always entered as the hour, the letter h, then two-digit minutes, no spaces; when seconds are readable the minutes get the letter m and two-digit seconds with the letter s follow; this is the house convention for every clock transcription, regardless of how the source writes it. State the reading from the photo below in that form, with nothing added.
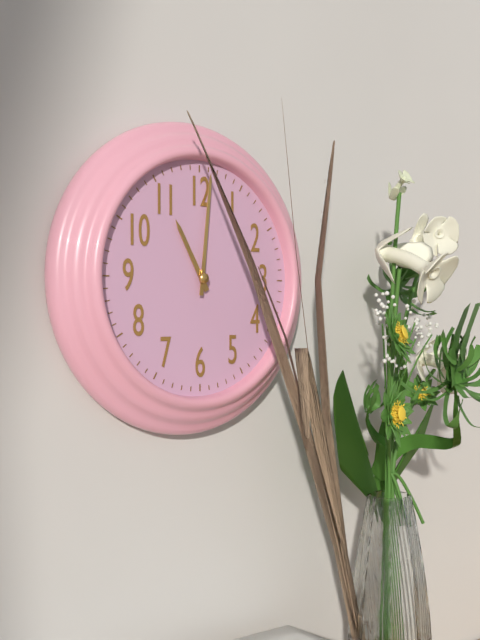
11h01
